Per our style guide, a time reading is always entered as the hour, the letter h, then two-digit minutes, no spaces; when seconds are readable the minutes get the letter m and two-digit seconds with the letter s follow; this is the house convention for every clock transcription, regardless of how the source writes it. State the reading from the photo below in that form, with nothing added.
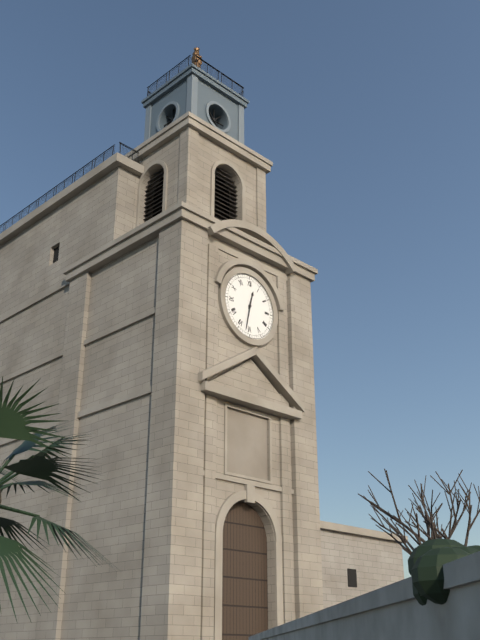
12h32
